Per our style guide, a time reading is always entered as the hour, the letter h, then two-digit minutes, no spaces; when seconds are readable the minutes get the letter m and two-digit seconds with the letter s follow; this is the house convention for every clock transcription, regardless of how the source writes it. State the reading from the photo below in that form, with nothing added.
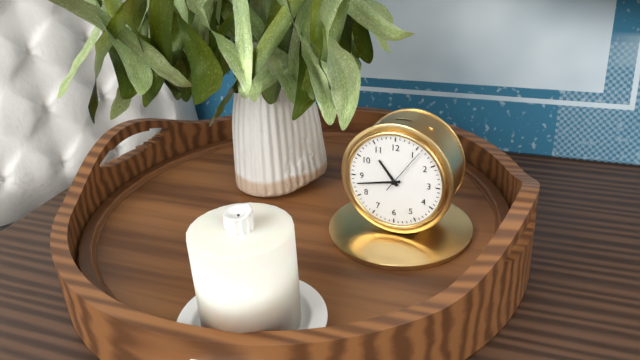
10h43
